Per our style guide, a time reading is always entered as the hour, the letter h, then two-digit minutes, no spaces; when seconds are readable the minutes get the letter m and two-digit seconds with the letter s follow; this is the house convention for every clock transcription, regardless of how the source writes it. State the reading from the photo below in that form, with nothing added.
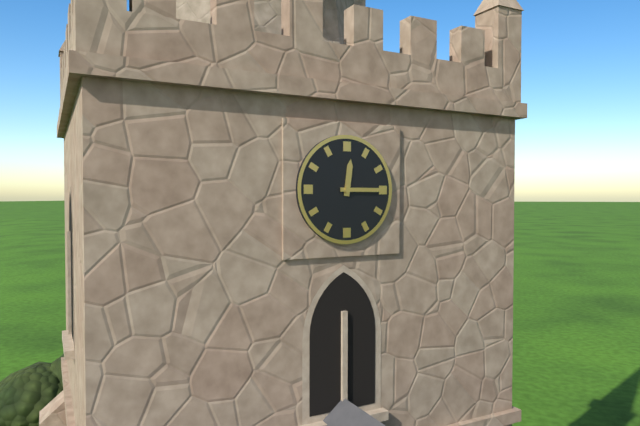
12h15
